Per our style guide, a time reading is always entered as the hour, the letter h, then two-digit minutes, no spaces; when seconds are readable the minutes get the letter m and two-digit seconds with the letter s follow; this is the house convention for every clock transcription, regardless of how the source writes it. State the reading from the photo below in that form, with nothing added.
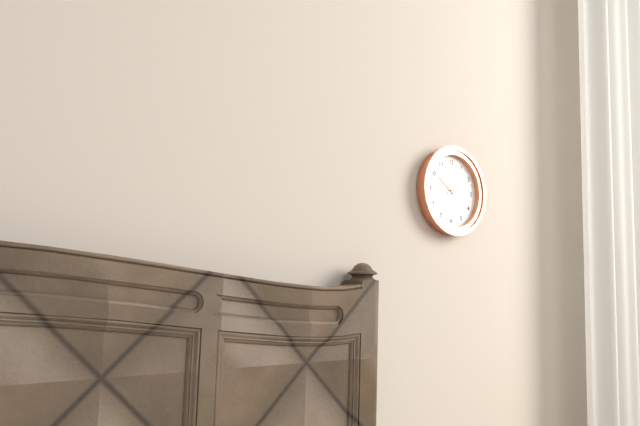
10h11
